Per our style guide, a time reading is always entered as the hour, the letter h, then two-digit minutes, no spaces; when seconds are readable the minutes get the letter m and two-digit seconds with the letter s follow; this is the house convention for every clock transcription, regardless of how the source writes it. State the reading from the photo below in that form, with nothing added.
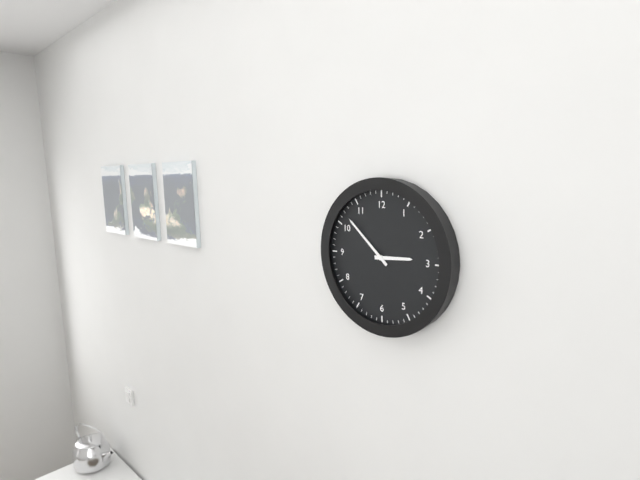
2h52
